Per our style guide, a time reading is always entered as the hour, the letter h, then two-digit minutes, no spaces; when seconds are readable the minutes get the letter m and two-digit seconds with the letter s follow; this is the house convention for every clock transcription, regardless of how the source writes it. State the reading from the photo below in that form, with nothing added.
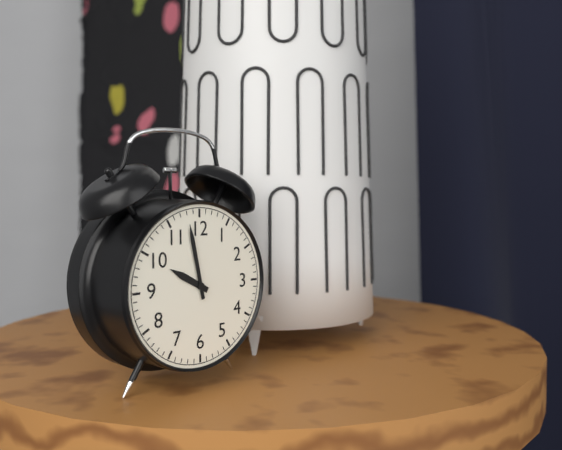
9h58
